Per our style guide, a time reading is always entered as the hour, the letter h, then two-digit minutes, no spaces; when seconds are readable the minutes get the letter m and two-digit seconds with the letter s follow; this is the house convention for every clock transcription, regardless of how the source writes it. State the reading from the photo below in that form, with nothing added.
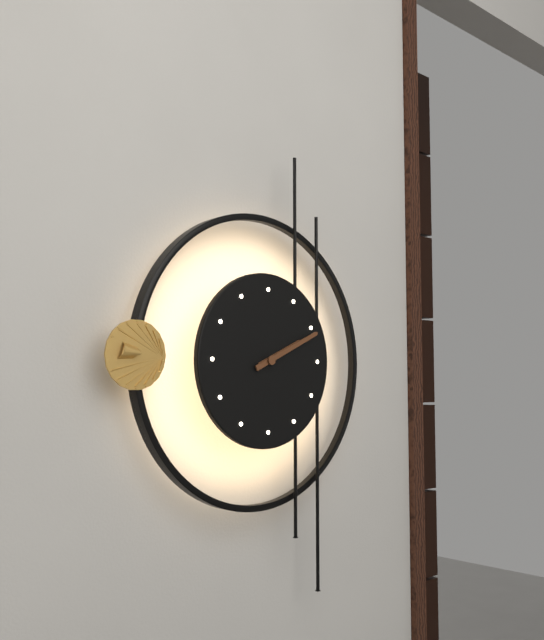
2h11
